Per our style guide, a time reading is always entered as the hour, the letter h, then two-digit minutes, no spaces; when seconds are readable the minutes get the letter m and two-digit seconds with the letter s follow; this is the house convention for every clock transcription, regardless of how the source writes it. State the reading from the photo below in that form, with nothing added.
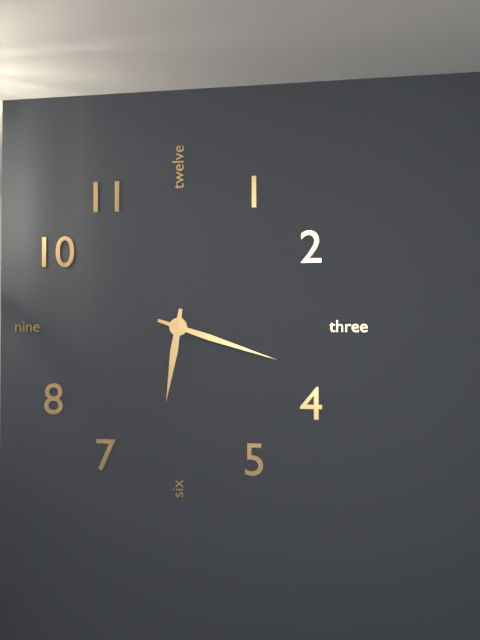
6h18
